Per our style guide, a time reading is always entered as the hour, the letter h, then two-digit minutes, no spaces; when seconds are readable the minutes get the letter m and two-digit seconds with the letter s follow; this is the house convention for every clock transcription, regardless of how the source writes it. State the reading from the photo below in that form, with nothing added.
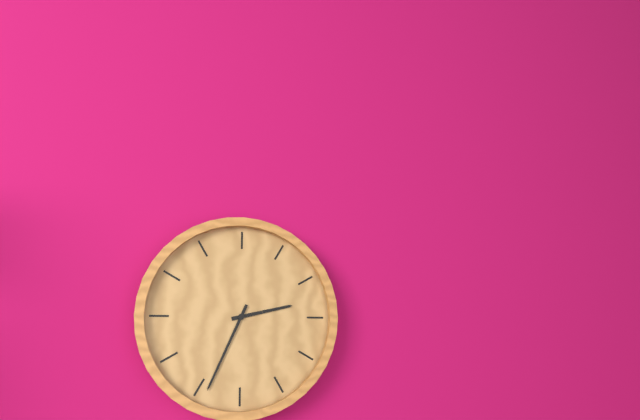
2h34
